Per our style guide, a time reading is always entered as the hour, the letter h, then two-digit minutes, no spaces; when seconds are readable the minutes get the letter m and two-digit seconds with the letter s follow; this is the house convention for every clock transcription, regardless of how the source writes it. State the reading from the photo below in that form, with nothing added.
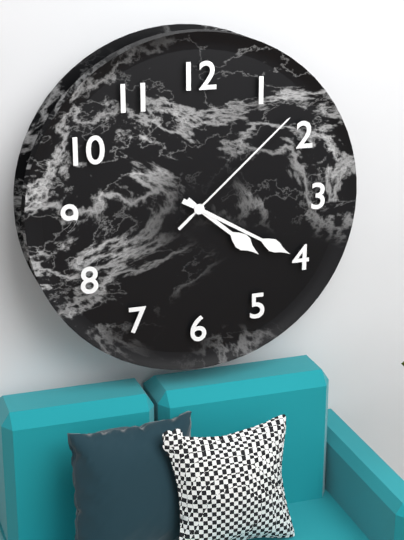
4h20m08s
